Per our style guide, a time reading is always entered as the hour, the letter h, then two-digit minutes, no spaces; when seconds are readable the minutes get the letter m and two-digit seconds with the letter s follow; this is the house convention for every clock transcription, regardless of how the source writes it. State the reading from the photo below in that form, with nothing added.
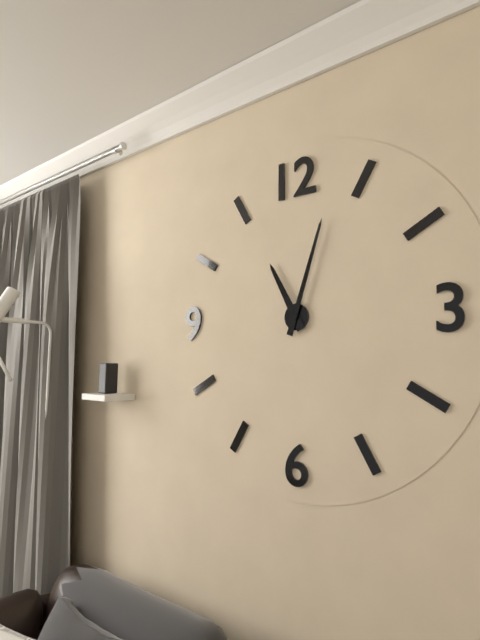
11h03
